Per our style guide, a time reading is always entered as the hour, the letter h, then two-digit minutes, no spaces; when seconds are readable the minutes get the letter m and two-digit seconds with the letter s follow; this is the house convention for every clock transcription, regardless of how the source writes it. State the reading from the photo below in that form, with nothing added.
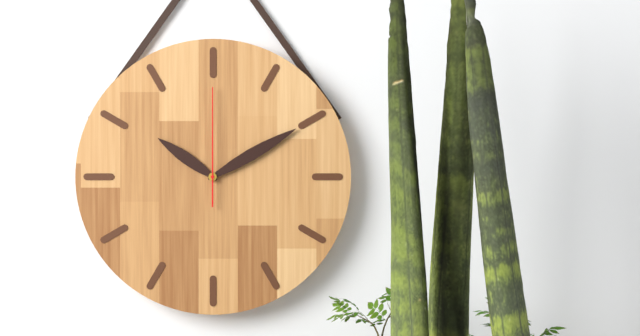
10h10m00s
